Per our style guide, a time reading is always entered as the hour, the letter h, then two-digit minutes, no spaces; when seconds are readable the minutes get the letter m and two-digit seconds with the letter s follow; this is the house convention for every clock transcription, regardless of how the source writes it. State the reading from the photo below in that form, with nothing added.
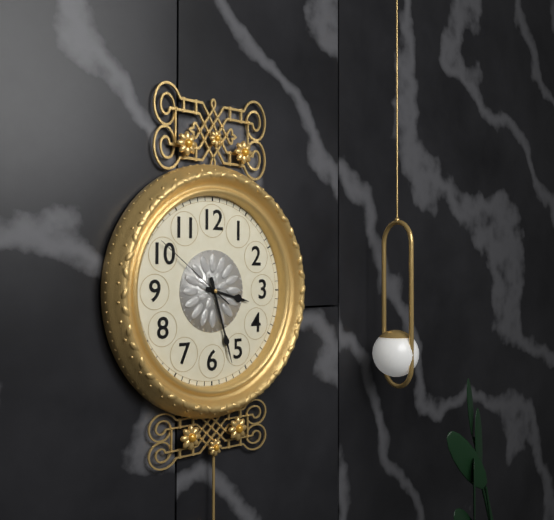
3h27m51s
